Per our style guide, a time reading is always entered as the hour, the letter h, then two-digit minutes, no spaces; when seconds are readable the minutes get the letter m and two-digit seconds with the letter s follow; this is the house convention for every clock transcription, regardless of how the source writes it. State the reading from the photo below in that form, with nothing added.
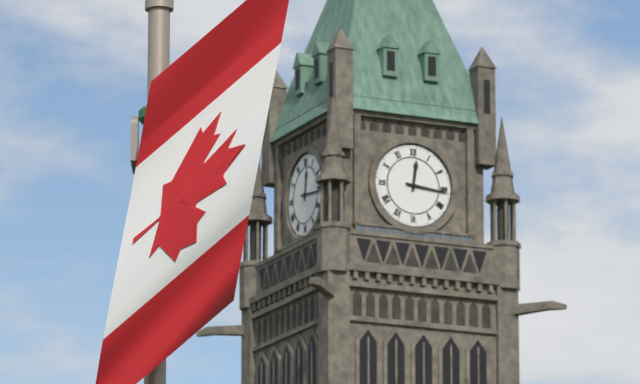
12h16
